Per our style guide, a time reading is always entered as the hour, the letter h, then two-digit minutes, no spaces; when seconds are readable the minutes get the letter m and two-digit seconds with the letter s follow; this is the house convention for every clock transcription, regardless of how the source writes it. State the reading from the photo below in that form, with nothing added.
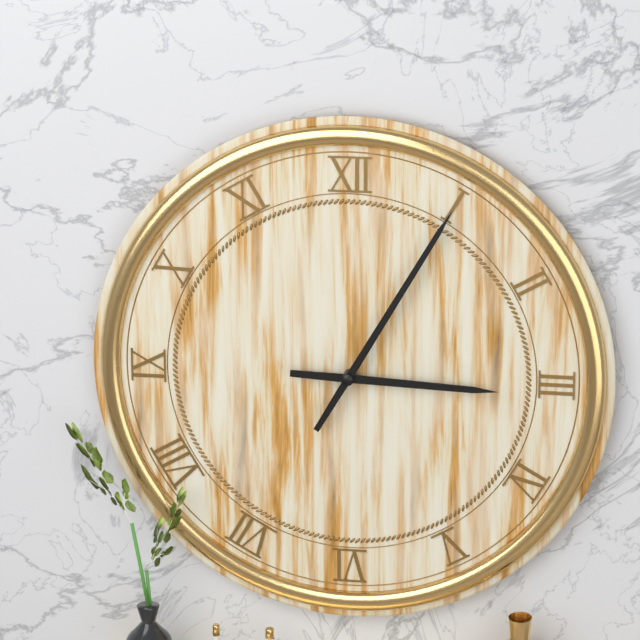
3h05
